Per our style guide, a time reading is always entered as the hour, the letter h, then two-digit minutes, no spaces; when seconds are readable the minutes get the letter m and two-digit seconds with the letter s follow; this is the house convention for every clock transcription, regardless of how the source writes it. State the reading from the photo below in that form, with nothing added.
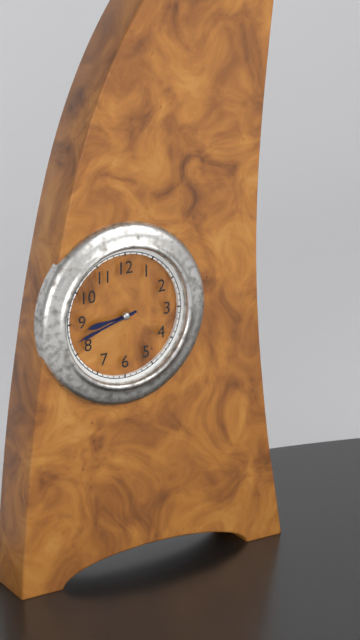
8h42
